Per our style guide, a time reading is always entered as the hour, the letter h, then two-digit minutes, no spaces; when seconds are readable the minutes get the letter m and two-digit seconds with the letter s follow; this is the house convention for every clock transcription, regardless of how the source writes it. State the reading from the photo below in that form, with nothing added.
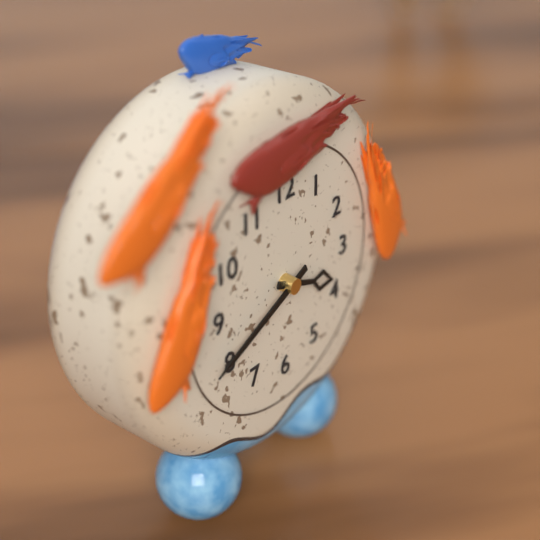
3h41
